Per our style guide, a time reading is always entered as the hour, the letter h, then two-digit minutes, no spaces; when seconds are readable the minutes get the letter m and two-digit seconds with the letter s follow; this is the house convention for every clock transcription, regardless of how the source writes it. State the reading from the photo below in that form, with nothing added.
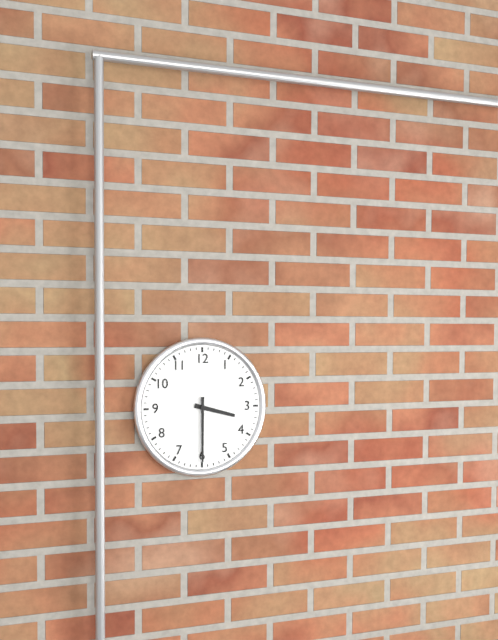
3h30
